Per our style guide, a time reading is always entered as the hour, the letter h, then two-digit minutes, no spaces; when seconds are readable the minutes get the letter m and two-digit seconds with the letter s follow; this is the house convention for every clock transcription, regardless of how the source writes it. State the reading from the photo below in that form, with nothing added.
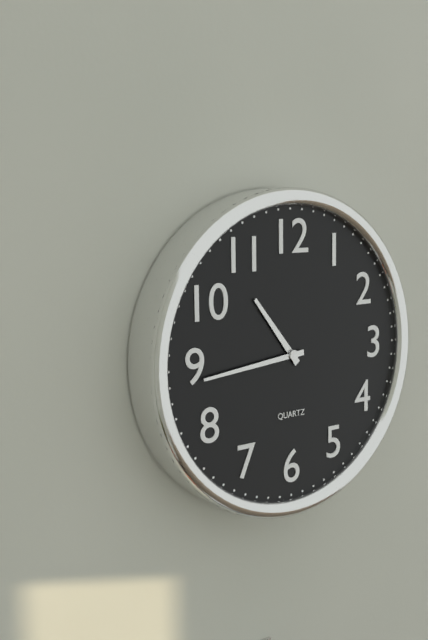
10h44
